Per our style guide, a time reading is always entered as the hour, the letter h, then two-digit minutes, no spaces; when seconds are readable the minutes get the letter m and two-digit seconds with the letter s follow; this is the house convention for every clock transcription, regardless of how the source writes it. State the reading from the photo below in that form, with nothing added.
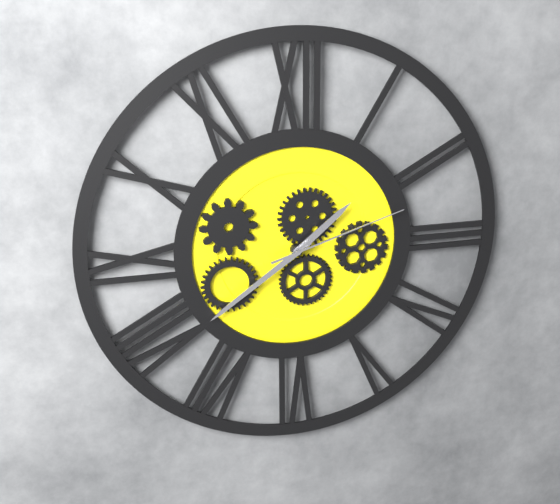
1h39m12s
